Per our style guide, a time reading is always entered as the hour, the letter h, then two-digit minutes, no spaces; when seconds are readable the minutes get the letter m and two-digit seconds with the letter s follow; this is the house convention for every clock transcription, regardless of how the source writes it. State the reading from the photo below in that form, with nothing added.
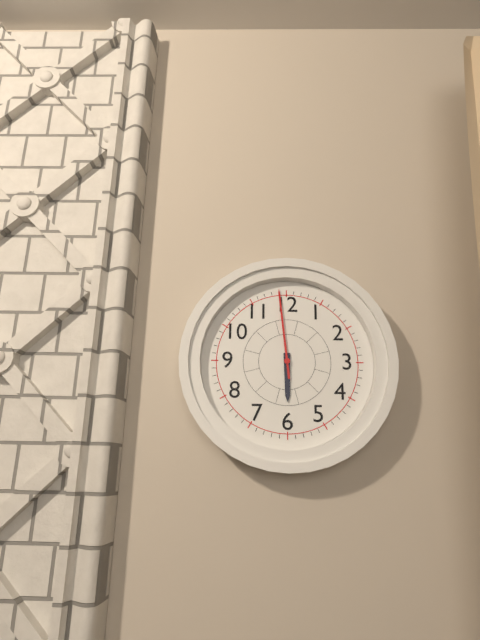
5h59
